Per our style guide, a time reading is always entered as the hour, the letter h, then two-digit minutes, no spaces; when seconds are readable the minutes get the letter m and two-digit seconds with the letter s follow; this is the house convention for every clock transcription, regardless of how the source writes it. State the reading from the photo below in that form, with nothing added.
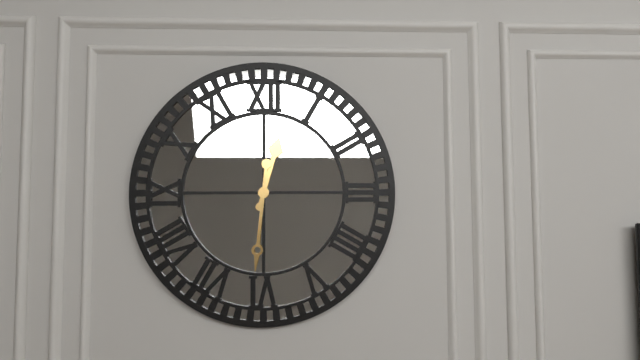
12h31
